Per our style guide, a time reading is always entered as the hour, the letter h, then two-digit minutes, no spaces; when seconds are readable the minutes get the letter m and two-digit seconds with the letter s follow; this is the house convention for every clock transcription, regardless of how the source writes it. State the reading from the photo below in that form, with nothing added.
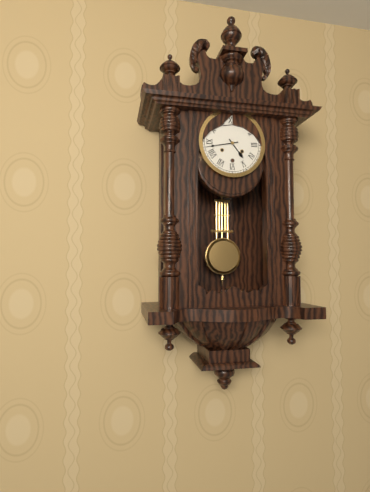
4h43
